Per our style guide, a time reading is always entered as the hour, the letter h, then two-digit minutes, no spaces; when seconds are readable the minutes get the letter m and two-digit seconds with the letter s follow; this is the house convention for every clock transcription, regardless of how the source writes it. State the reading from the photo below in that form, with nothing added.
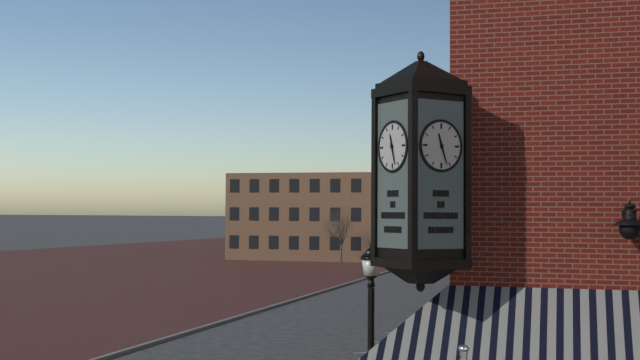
11h27
